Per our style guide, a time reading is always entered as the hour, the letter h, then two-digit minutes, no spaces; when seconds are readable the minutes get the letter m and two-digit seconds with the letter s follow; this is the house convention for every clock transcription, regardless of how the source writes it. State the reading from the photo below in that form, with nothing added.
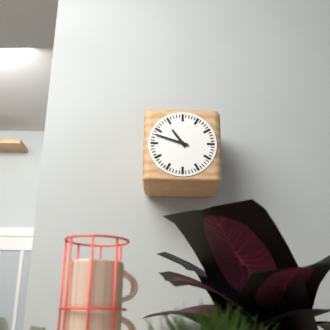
10h48
